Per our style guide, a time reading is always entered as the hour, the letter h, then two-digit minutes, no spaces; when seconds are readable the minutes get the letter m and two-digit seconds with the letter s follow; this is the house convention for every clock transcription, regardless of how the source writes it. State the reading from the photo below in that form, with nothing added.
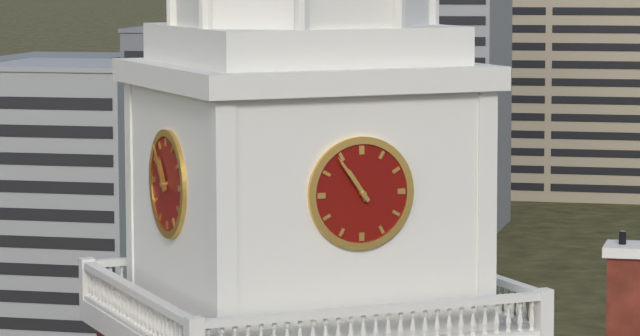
10h54
